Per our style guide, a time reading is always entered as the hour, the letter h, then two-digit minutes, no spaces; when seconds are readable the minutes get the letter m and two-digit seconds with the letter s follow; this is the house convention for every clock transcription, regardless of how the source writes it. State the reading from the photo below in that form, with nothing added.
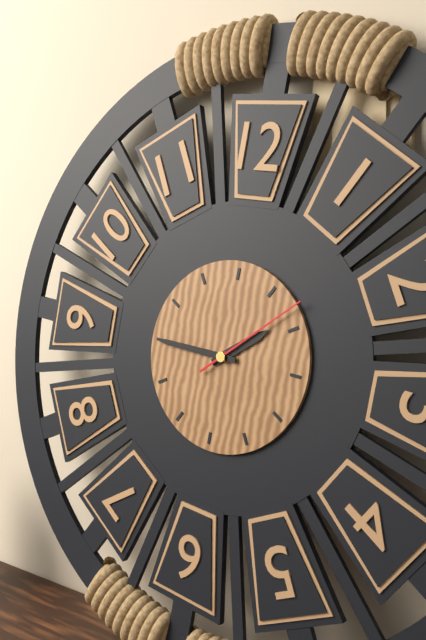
1h45m08s
